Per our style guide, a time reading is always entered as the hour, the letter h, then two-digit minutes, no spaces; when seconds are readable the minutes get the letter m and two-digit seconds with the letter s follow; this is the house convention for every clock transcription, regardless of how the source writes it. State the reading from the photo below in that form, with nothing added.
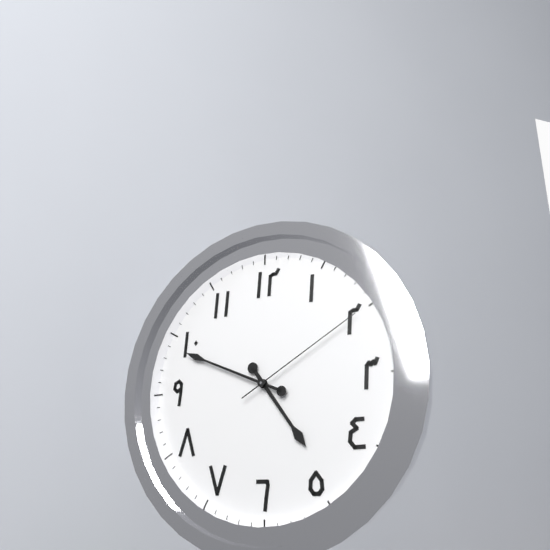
4h49m10s
